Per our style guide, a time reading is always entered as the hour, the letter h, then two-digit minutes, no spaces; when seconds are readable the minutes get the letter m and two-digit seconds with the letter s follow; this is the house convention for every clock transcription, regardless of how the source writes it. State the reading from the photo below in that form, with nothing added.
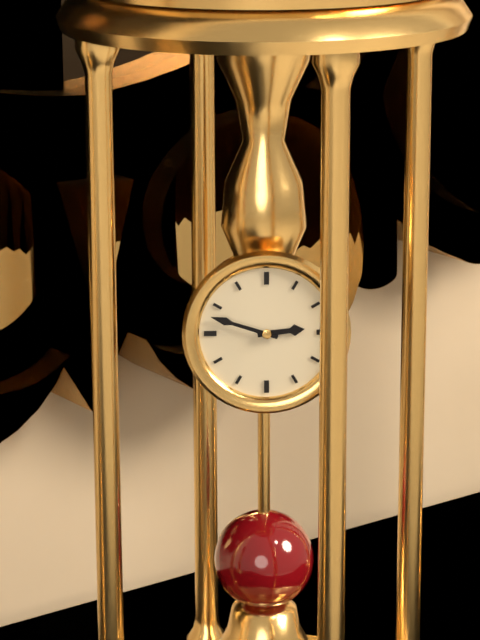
2h48
